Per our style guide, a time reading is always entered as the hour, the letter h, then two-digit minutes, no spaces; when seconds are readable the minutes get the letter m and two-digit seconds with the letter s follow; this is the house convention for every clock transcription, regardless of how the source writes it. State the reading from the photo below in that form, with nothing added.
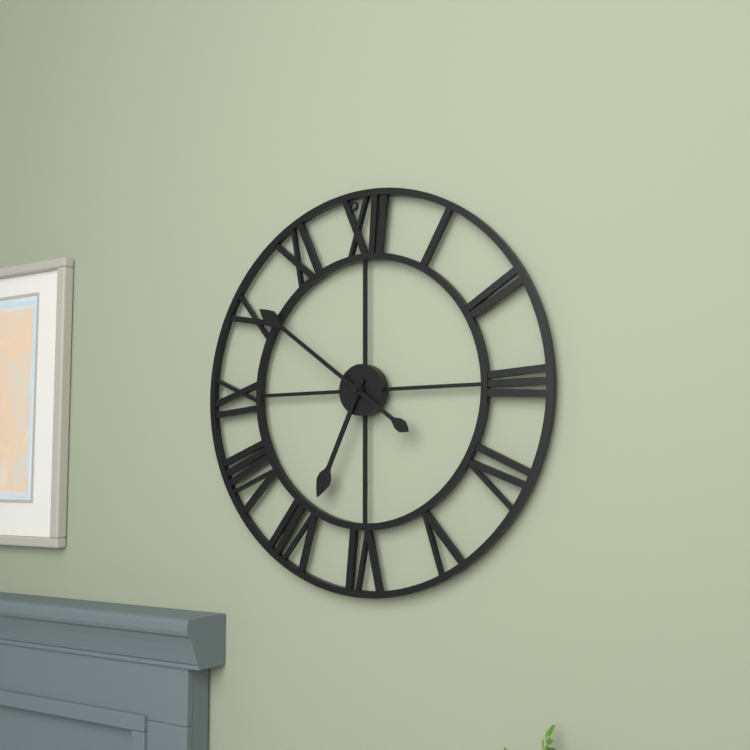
6h51
